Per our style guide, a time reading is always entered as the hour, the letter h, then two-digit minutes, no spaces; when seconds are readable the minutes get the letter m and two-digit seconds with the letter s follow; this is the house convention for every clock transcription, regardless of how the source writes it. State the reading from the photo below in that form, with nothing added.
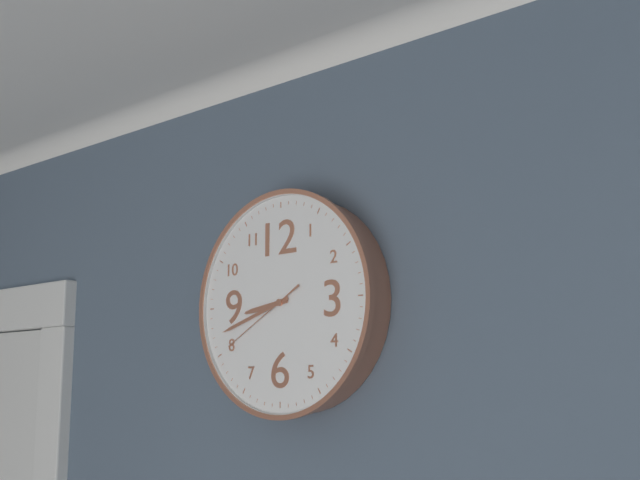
8h42m40s
